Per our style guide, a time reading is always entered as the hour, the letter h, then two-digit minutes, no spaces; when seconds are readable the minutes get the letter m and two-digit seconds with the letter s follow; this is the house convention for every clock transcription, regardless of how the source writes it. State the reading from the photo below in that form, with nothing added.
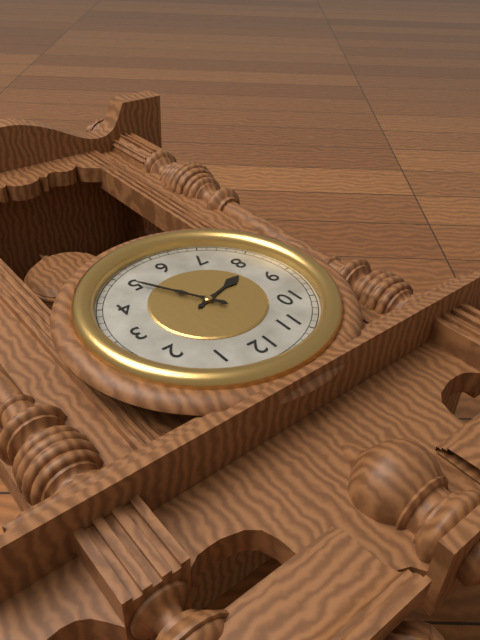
8h25
